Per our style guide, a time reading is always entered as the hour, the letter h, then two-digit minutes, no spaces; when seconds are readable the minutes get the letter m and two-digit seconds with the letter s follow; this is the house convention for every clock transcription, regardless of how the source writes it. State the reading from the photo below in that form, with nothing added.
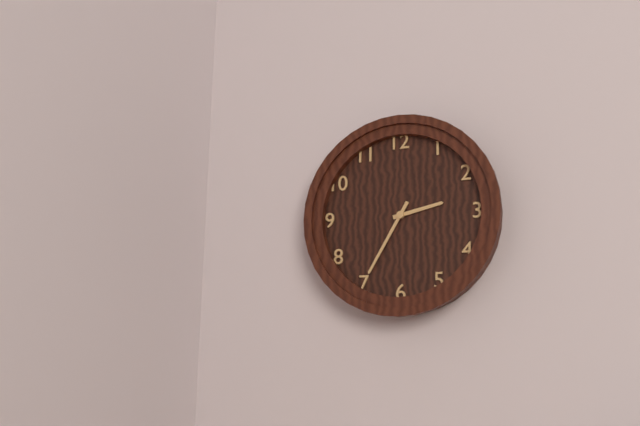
2h35
